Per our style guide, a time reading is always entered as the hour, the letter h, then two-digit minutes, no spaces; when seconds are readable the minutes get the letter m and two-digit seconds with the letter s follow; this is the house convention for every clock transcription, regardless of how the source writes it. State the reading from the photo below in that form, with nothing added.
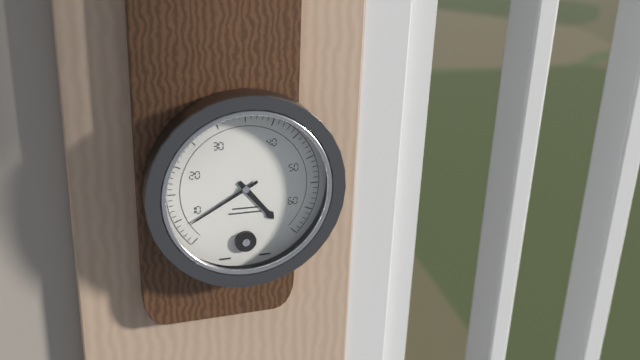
4h40
